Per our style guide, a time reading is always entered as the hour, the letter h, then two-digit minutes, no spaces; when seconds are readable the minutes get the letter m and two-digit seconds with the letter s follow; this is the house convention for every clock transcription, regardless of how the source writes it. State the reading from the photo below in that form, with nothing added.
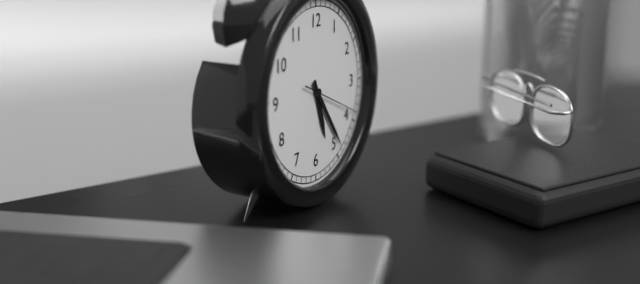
5h24m19s
